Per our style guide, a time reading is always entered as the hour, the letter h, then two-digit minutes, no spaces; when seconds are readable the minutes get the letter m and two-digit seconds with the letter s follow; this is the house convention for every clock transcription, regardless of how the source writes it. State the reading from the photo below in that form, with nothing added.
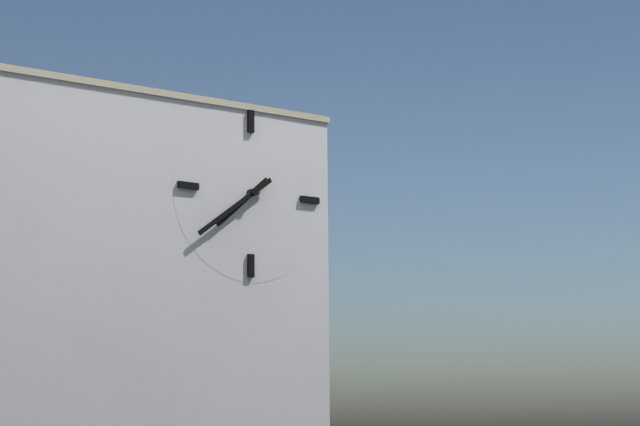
7h39
